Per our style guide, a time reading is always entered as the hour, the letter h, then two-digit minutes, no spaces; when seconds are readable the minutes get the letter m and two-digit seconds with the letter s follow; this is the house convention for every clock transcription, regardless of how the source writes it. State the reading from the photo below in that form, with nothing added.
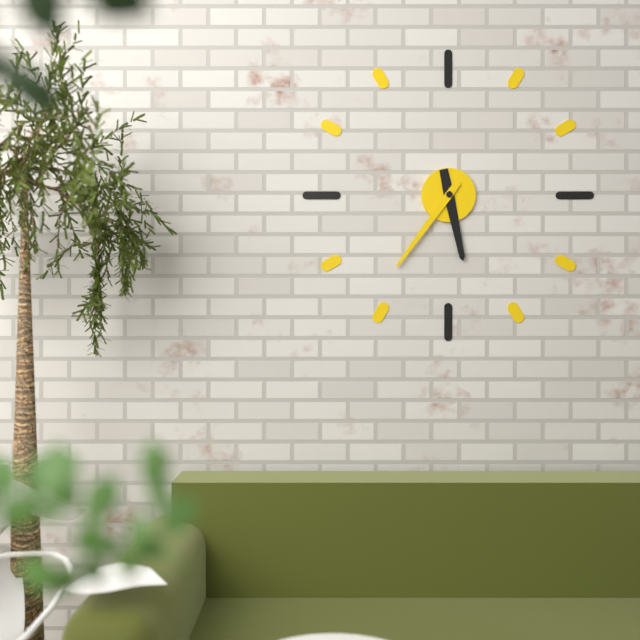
5h36
